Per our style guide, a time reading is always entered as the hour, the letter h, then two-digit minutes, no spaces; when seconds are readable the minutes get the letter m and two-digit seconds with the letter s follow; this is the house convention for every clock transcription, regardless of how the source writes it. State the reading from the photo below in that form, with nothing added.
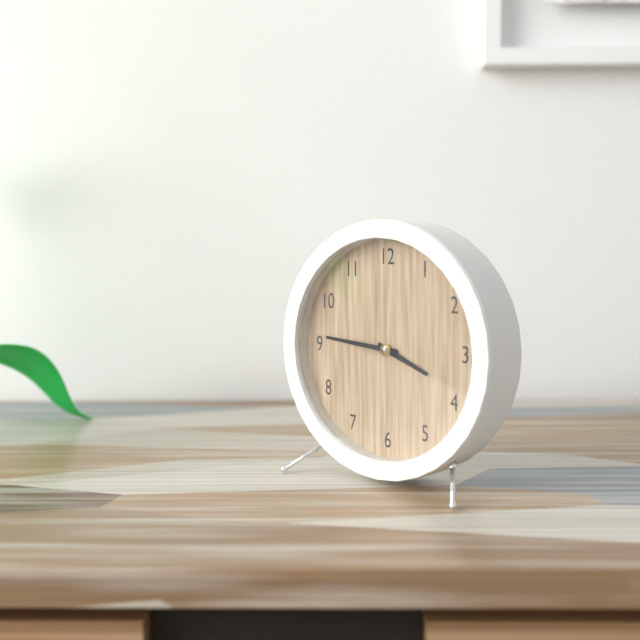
3h46
